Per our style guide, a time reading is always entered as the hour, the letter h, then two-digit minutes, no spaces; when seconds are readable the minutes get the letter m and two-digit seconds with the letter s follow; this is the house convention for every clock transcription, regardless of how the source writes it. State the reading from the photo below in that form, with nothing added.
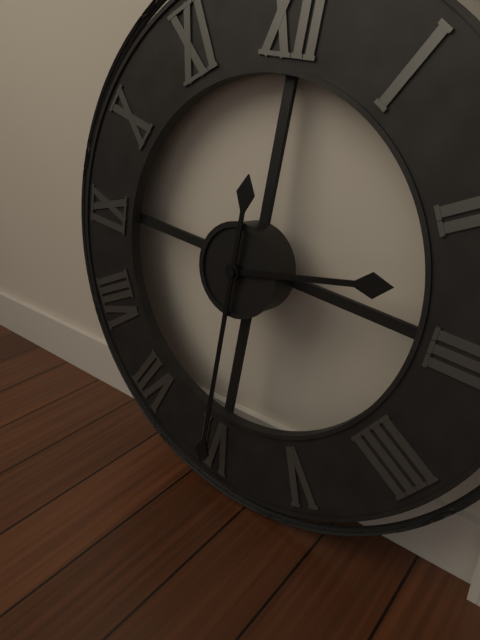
2h30
